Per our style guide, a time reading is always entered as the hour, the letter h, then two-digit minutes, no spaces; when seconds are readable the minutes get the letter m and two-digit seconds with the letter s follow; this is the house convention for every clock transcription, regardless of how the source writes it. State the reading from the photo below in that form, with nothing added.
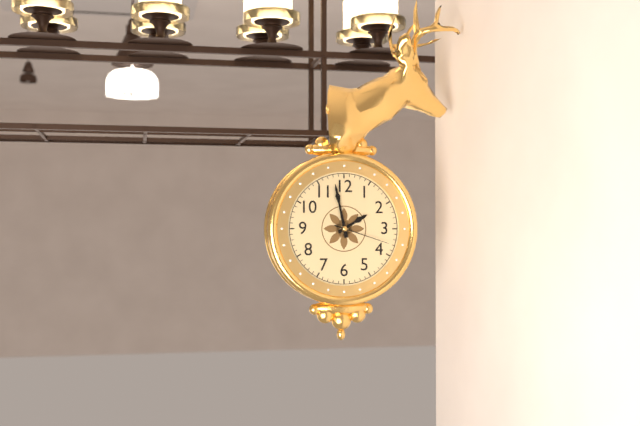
1h58m18s
